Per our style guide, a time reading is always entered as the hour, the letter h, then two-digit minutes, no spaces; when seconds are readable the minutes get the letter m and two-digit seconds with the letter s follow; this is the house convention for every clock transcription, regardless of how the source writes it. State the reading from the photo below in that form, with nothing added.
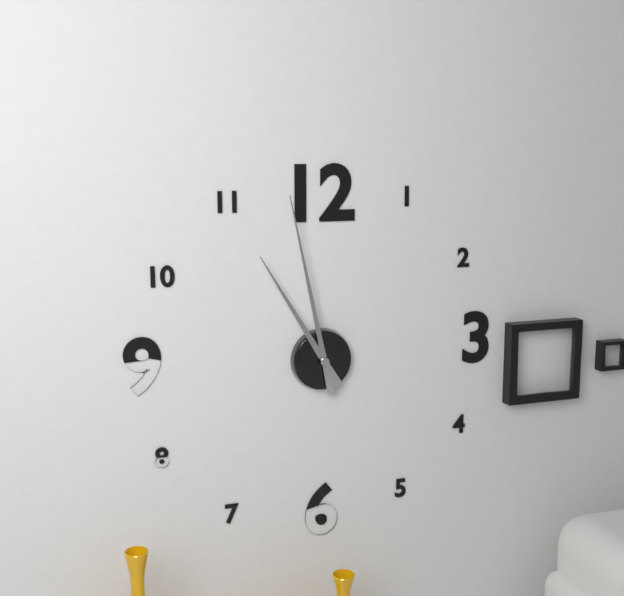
10h58
